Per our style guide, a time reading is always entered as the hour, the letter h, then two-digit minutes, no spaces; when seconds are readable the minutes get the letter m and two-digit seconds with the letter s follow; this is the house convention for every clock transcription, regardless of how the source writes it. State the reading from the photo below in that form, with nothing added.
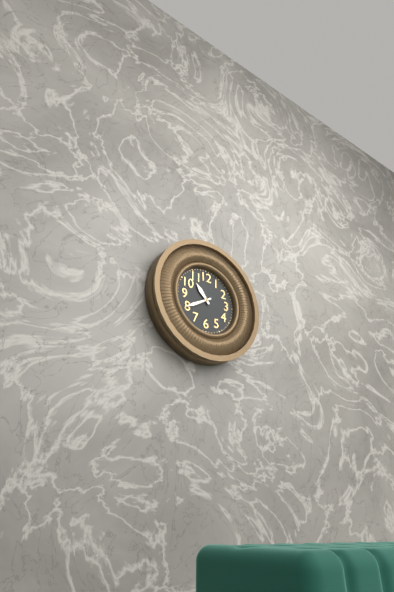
10h40
